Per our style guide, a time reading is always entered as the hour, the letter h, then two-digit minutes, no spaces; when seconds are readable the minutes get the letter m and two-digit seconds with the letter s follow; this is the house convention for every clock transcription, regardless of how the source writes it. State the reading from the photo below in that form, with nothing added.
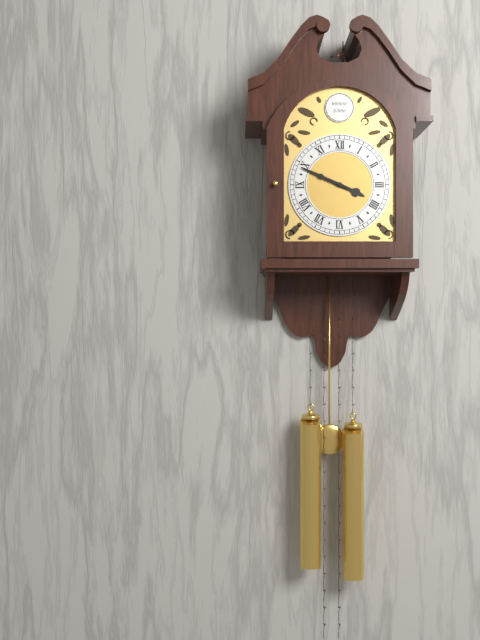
3h49
